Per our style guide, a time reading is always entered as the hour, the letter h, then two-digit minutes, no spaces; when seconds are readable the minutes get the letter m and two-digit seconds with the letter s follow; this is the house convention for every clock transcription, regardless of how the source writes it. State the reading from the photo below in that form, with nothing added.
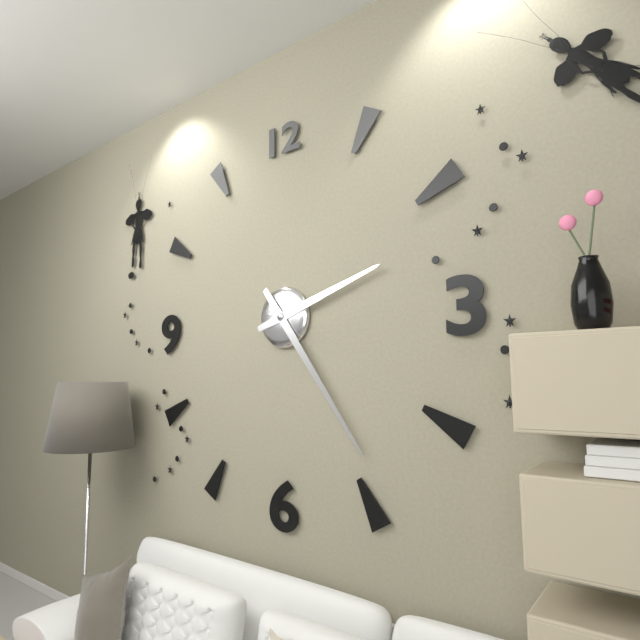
2h24
